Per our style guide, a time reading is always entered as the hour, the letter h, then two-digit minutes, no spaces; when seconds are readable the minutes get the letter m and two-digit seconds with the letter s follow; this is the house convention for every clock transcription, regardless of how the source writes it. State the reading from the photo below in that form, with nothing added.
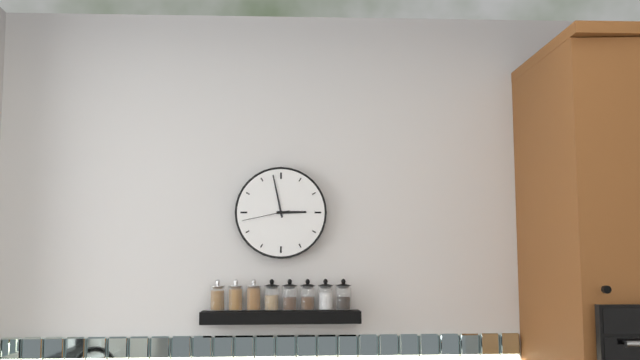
2h58
